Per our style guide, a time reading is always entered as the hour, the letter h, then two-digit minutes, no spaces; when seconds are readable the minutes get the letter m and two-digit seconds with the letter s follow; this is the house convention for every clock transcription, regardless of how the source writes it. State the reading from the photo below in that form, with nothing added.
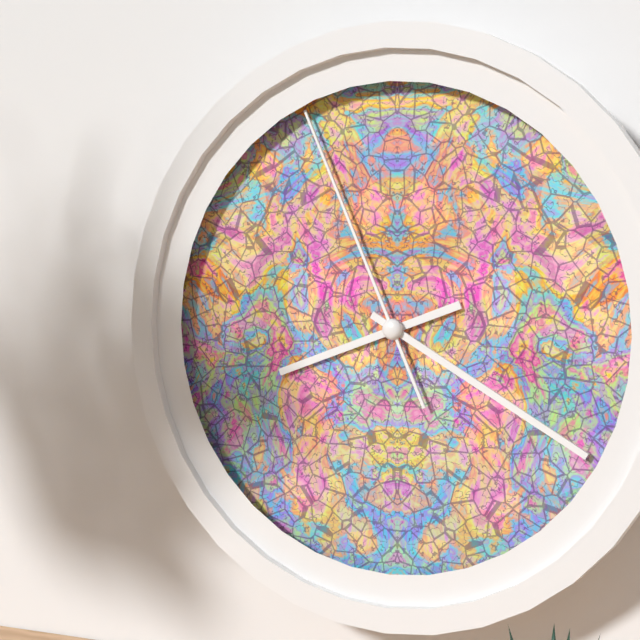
8h20m56s
